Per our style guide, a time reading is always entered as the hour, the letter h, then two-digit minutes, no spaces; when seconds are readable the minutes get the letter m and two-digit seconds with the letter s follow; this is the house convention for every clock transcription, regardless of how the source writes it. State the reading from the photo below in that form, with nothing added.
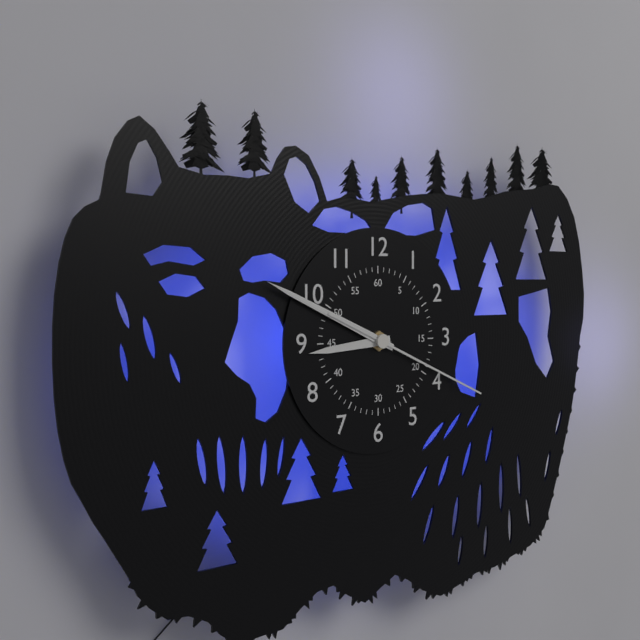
8h49m19s
